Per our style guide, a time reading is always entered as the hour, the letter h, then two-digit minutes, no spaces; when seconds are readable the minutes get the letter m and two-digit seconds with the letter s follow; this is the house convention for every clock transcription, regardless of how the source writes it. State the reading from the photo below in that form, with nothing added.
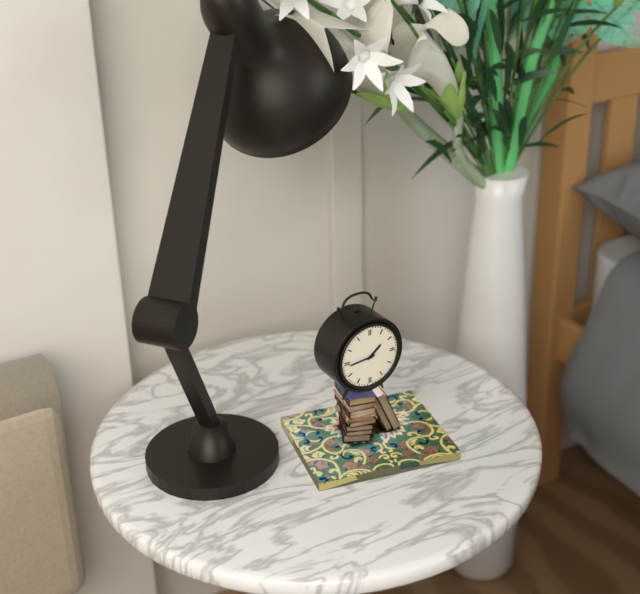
1h44
